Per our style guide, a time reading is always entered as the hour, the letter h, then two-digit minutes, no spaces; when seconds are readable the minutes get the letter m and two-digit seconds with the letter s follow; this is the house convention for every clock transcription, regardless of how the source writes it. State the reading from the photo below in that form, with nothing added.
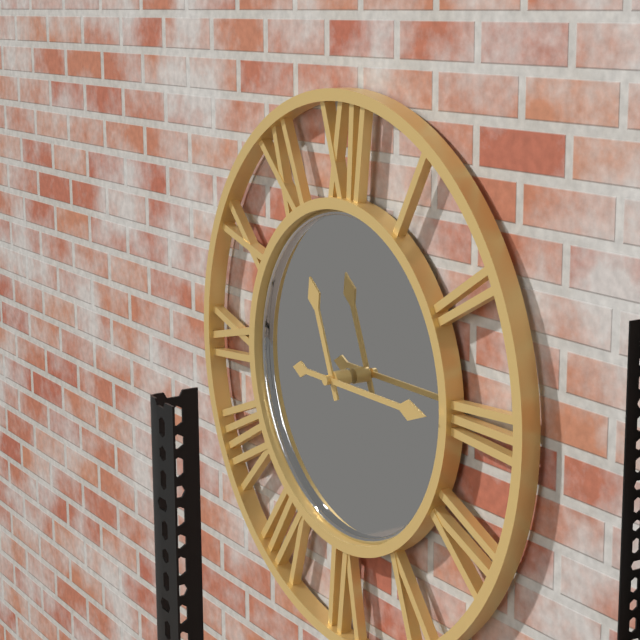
11h15
